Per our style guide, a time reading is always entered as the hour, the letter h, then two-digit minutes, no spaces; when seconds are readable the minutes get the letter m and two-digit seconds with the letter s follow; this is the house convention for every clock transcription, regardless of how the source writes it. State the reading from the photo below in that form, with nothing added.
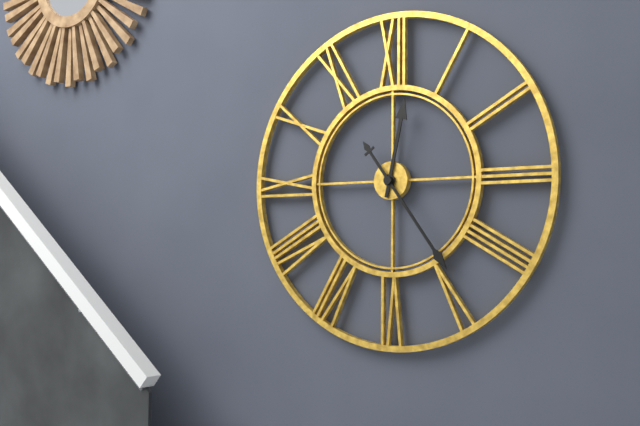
12h24
